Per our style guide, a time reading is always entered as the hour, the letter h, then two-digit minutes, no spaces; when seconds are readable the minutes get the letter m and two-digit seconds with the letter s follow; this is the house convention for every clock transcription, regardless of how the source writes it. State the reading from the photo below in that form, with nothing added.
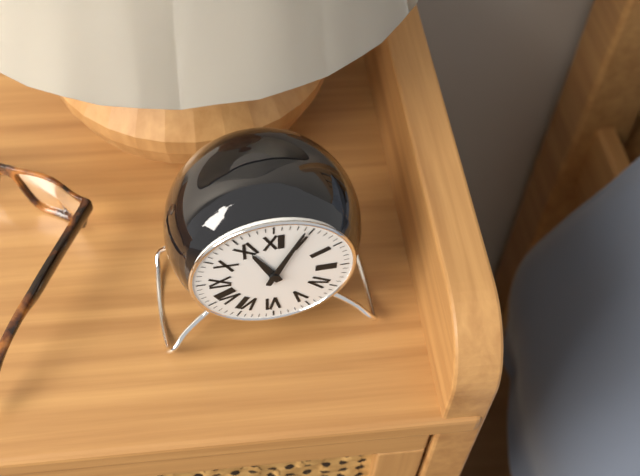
11h04
